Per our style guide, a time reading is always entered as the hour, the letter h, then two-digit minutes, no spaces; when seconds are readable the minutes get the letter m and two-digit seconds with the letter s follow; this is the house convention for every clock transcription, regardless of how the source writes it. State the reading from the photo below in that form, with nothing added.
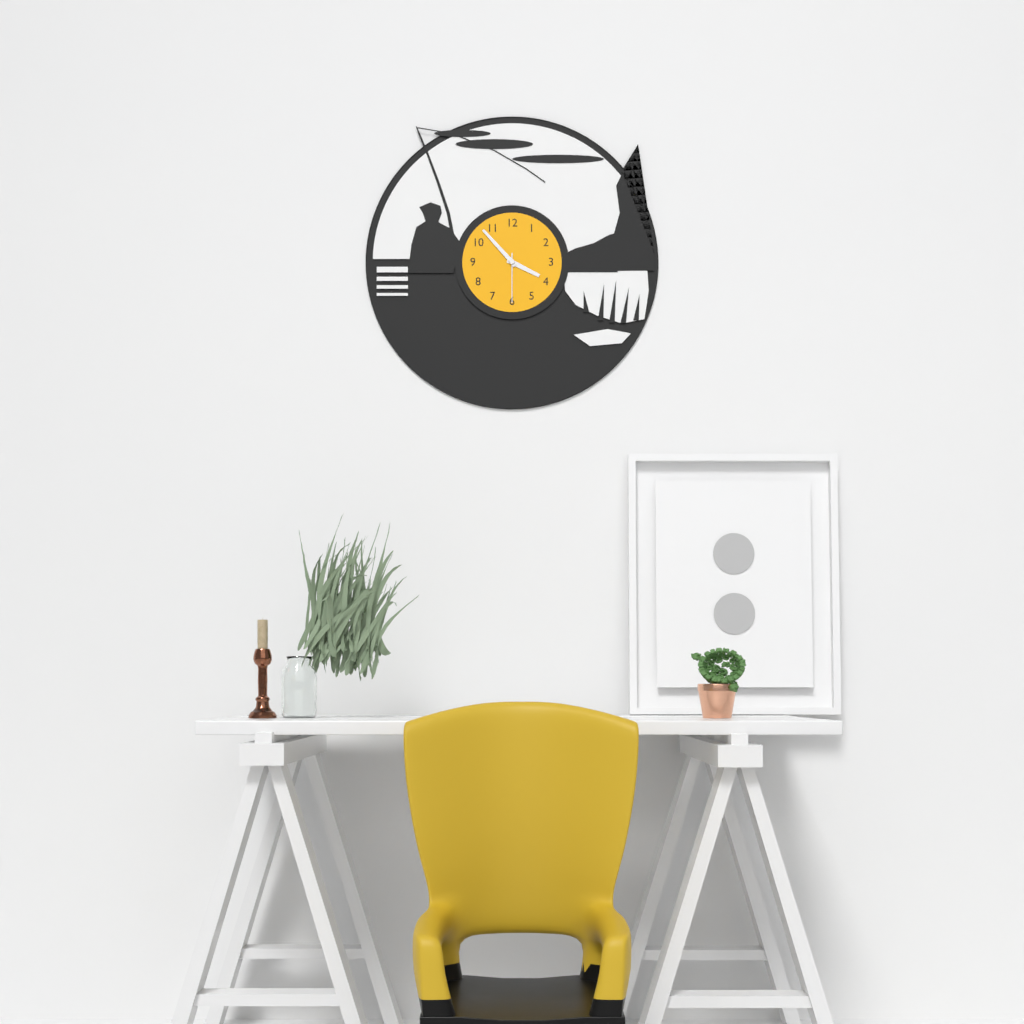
3h53m30s
